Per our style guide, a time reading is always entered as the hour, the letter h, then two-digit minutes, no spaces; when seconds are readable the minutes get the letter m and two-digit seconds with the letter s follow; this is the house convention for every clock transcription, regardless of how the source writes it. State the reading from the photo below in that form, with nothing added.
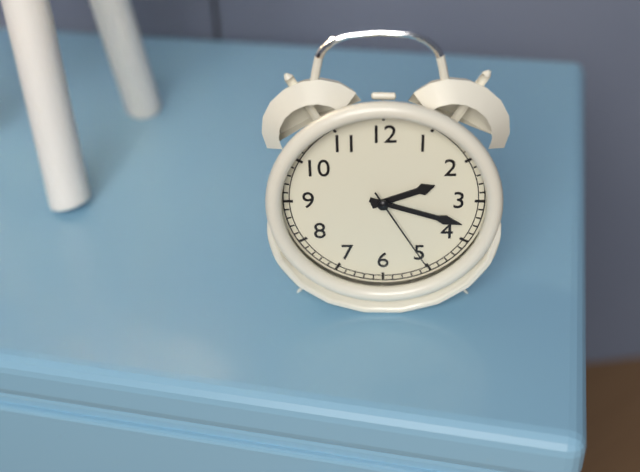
2h18m25s
